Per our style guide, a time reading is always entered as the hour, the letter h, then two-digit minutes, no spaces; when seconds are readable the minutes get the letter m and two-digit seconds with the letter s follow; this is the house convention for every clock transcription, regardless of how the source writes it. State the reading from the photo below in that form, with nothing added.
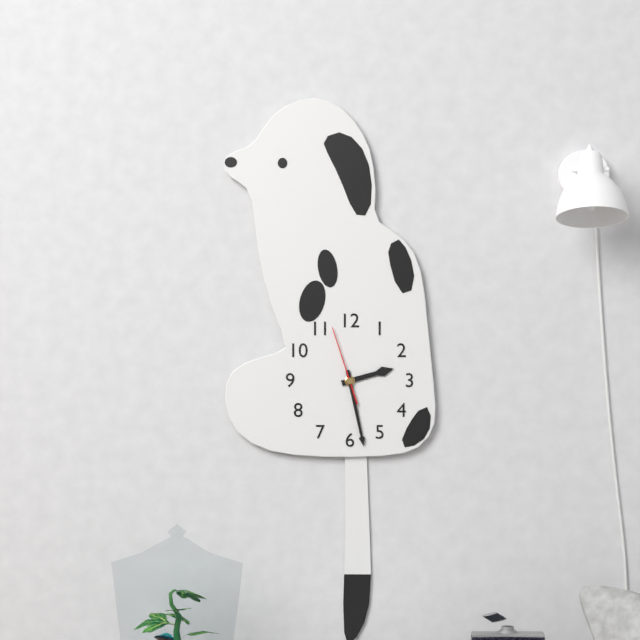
2h28m57s
